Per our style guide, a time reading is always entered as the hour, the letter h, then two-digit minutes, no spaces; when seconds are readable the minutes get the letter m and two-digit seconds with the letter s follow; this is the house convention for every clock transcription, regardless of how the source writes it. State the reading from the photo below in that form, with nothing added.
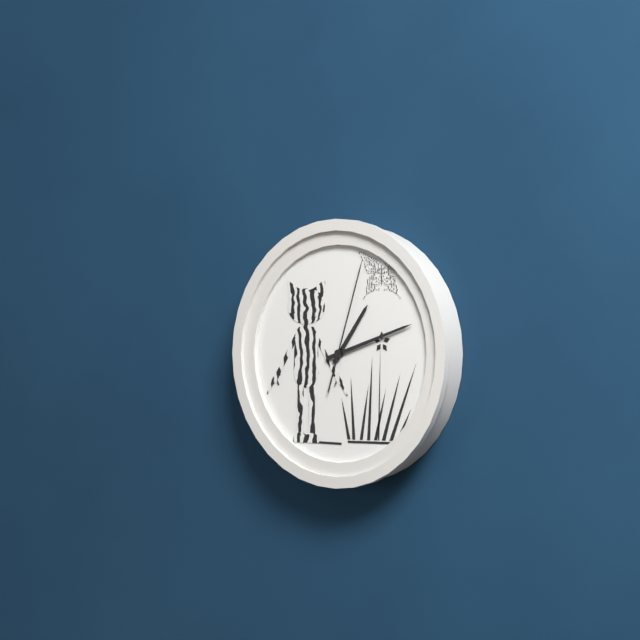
1h12m03s
